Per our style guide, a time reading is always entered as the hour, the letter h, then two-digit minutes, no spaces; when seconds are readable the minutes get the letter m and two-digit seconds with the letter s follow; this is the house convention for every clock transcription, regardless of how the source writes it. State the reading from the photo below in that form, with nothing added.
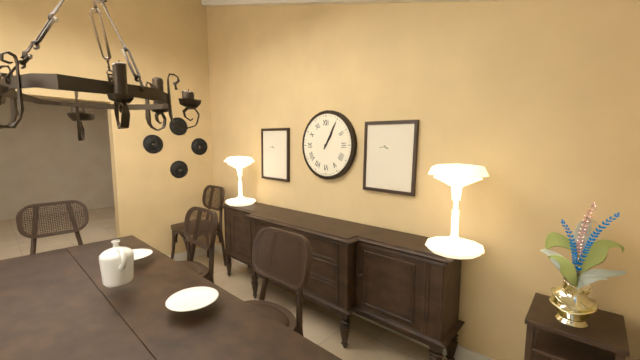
1h05
